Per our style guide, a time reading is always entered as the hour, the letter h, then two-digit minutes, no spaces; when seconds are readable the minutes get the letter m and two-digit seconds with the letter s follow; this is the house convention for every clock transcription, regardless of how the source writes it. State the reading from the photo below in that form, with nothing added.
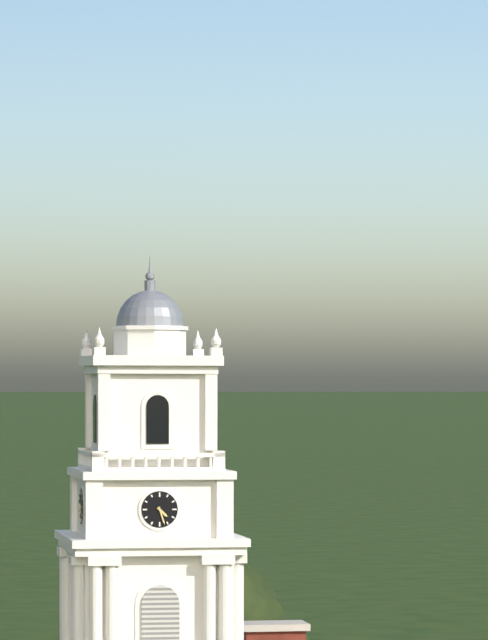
4h27
